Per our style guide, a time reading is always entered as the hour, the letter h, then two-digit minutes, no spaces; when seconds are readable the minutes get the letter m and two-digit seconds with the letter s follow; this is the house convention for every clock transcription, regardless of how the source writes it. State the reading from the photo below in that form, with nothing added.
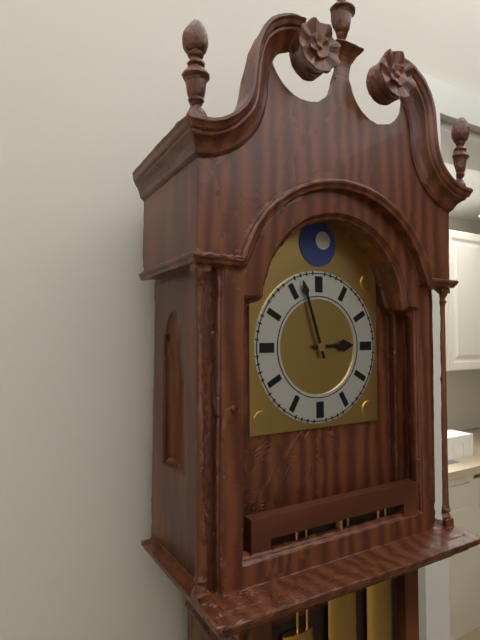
2h57
